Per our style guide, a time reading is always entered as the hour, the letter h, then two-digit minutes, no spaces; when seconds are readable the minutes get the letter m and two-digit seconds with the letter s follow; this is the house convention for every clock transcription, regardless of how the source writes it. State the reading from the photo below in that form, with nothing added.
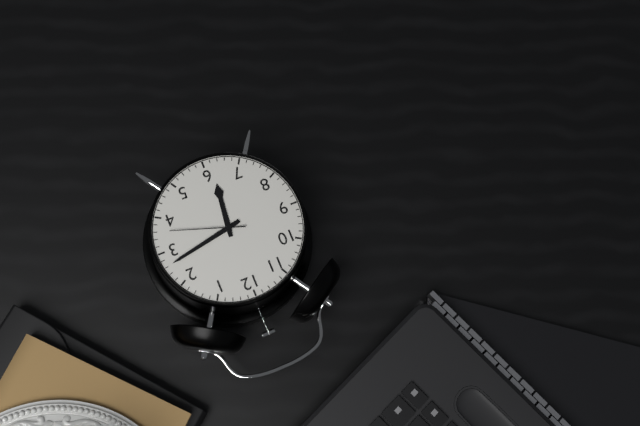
6h13m18s
